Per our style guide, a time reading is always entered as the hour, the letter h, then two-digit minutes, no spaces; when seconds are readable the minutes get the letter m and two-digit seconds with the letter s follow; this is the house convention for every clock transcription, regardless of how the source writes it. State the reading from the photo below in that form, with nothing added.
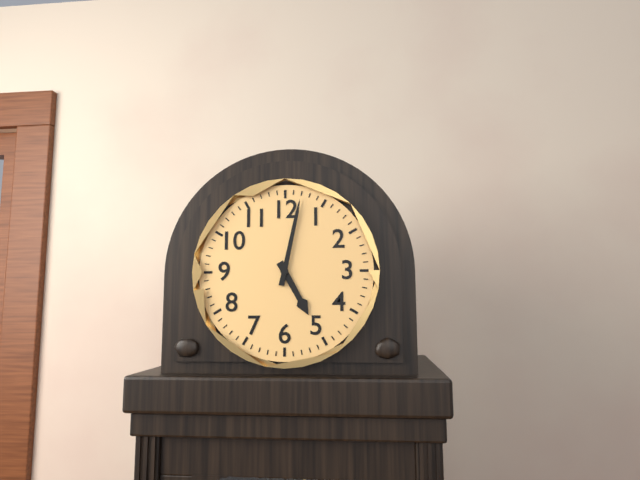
5h02
